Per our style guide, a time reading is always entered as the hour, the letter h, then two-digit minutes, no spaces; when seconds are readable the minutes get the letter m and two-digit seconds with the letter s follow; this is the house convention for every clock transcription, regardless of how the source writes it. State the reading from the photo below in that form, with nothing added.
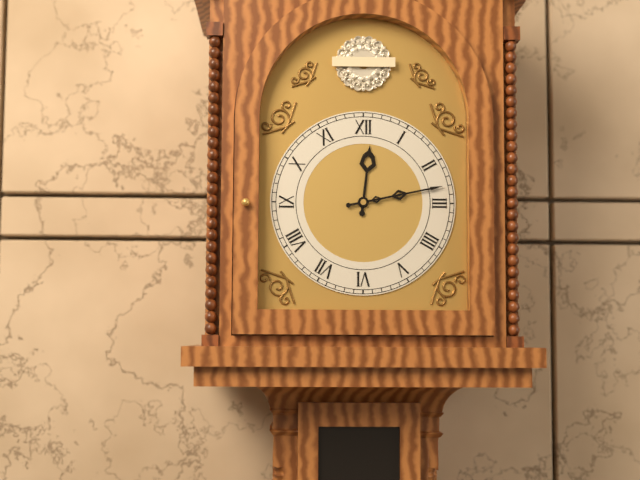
12h13
